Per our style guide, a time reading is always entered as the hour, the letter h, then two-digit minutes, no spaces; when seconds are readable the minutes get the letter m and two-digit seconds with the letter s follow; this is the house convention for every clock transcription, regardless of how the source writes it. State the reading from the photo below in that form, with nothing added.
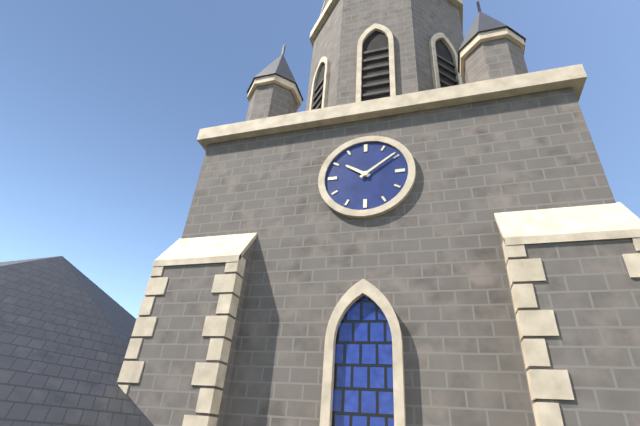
10h09
